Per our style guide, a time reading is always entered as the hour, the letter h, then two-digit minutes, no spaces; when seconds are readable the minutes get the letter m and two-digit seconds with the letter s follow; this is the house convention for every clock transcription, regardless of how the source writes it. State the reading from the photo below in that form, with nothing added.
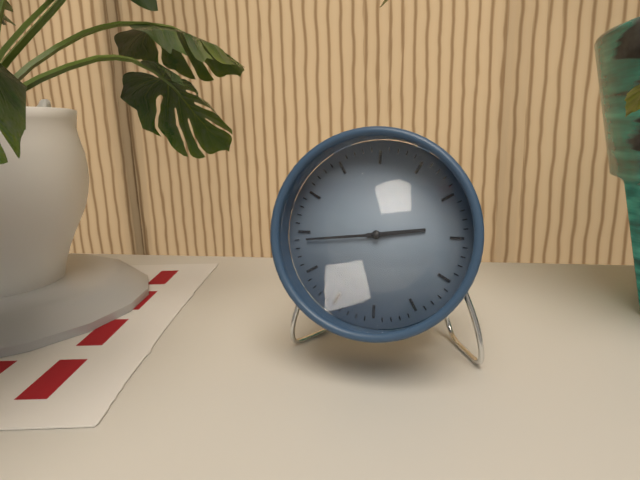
2h44
